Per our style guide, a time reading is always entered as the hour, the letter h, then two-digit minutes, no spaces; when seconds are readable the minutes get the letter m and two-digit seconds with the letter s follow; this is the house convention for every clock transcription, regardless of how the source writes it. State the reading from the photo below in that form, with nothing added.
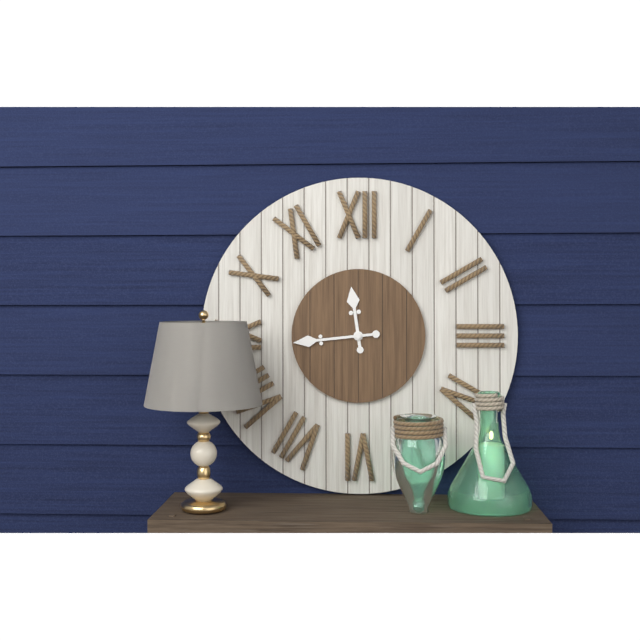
11h44
